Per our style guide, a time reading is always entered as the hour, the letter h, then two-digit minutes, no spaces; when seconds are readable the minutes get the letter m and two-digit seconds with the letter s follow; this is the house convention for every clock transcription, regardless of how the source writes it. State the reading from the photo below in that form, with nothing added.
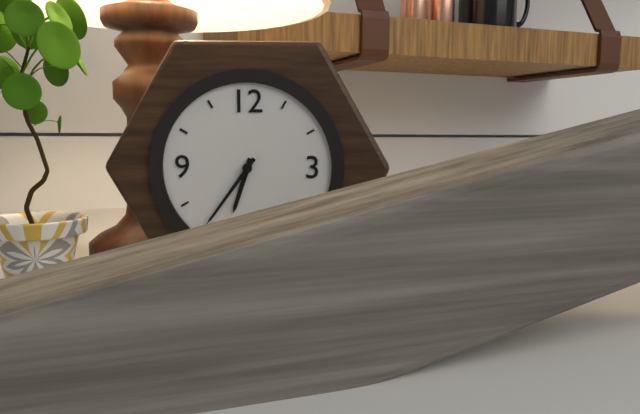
6h36
